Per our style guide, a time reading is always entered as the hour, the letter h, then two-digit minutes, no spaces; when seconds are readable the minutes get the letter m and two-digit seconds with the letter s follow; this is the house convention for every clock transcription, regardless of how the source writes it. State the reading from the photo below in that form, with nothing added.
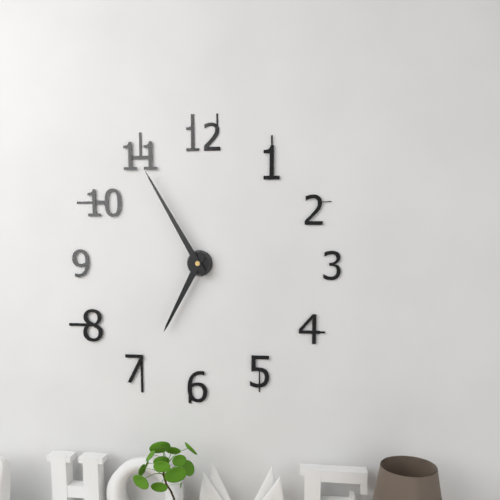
6h55
